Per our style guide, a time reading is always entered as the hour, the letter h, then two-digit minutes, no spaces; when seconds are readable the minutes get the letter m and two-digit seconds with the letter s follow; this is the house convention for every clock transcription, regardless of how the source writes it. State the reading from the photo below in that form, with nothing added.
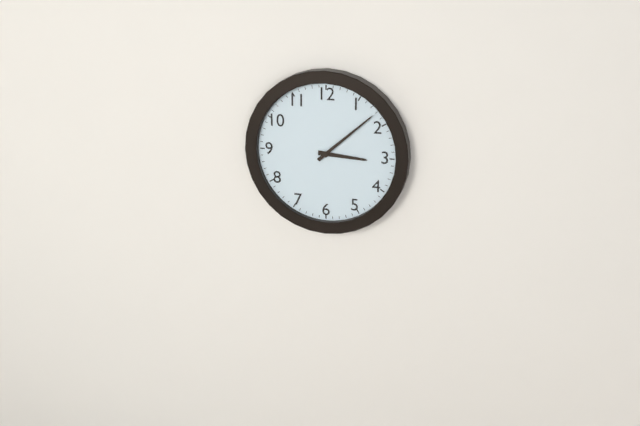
3h08
